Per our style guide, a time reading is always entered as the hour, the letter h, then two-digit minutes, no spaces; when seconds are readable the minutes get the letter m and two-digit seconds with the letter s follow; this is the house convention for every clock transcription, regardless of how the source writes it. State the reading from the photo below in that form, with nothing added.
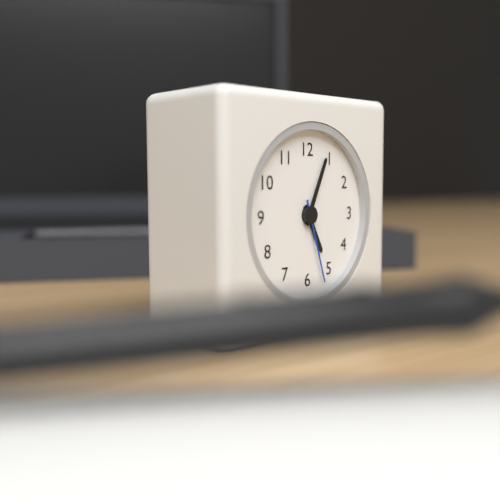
5h04m27s
